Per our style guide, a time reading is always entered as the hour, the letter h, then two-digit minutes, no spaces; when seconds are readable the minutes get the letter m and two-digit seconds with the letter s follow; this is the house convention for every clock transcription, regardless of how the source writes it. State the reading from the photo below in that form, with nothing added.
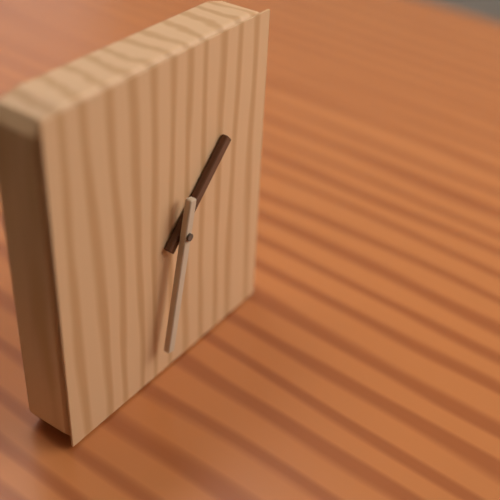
1h32
